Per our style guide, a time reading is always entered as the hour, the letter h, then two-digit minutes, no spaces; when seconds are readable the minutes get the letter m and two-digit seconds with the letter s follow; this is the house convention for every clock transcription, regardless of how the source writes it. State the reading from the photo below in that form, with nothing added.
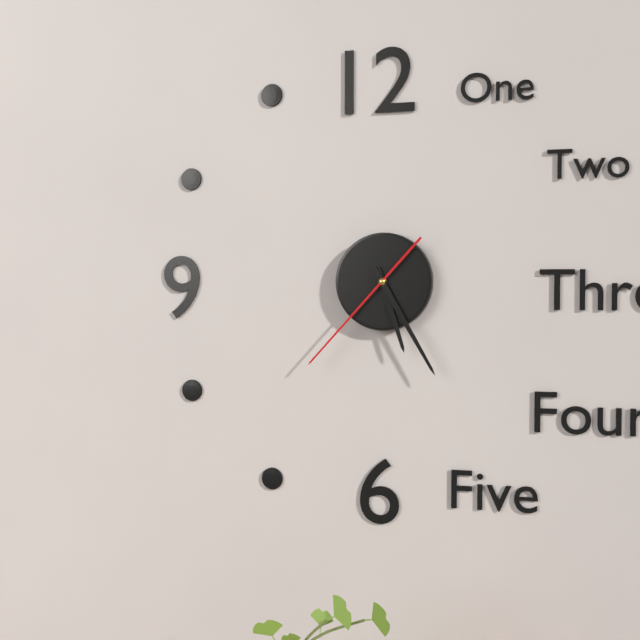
5h25m37s
